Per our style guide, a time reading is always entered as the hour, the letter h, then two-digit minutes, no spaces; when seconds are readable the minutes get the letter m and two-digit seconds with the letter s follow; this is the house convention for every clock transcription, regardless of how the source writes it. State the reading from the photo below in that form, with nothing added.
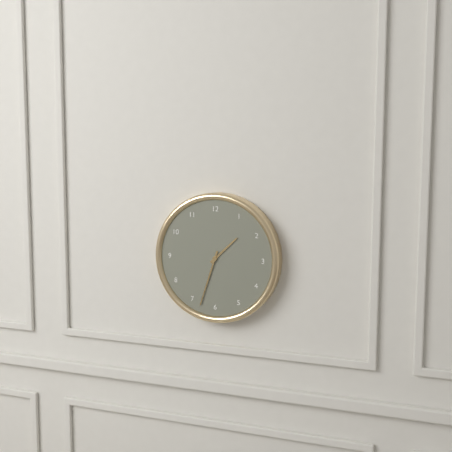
1h33
